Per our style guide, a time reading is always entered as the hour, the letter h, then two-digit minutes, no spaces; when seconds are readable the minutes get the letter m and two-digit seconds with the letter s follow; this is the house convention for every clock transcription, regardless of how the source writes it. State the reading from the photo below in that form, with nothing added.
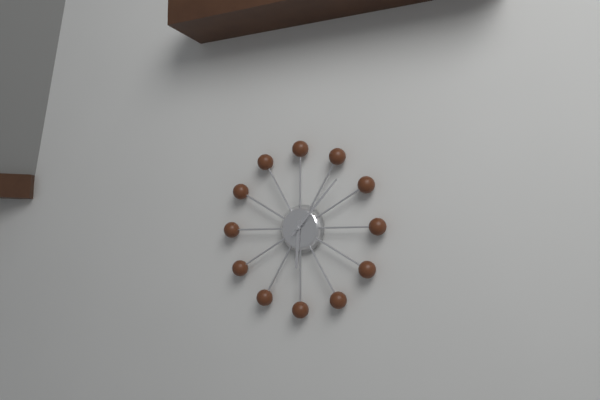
6h07
